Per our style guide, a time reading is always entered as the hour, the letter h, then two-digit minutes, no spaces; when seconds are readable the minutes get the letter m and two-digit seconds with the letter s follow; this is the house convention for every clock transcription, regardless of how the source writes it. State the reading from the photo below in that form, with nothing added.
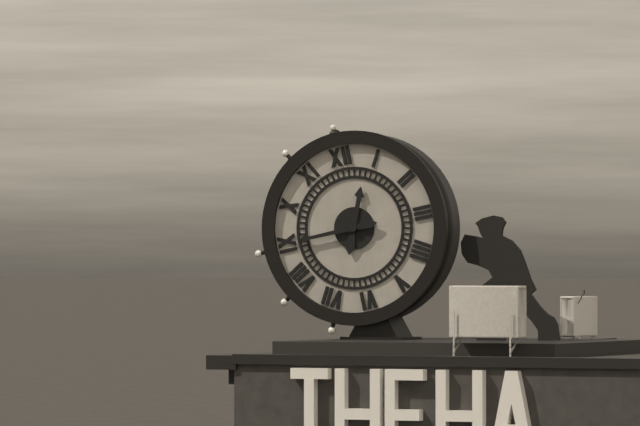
12h45
